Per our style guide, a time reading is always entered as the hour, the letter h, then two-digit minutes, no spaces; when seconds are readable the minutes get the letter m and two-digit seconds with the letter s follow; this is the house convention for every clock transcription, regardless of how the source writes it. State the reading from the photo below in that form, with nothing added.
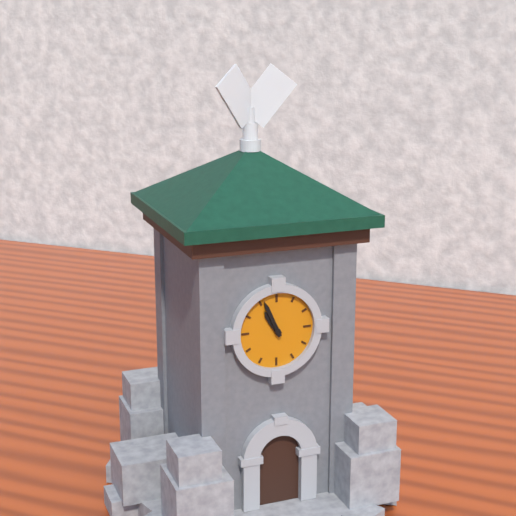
10h56
